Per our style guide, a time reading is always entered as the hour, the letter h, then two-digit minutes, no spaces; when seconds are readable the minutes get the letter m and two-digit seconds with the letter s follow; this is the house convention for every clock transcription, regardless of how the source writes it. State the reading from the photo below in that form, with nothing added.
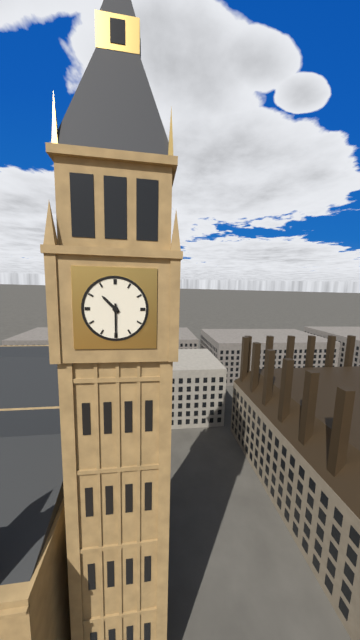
10h30
